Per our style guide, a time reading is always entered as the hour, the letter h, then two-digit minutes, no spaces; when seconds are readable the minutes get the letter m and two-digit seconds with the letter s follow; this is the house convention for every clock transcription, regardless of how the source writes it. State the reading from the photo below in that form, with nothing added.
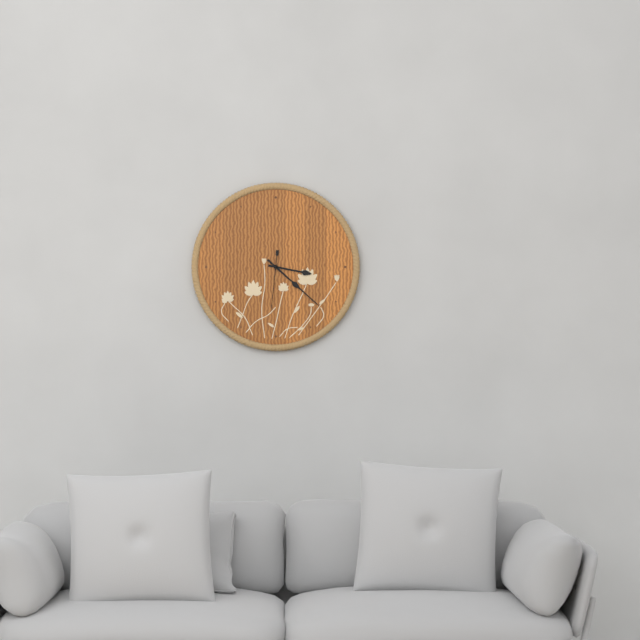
3h22m31s
